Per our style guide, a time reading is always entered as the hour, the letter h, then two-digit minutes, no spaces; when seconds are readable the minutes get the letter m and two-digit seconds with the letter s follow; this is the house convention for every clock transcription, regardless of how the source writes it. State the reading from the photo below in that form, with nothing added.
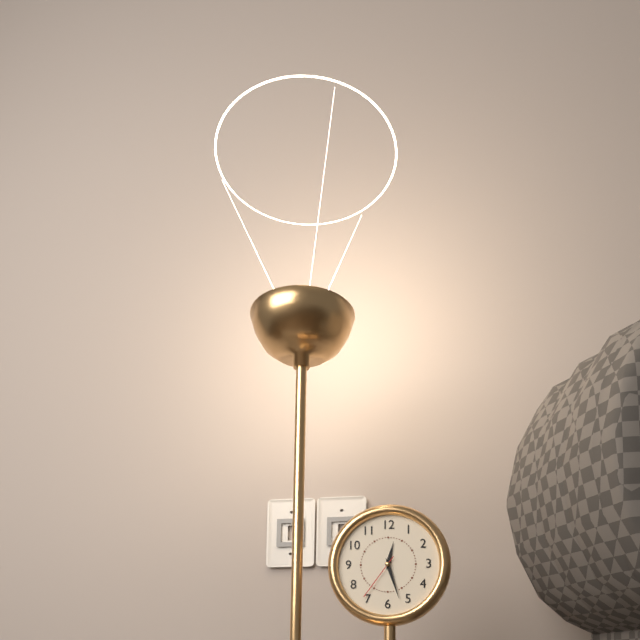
12h27m36s
